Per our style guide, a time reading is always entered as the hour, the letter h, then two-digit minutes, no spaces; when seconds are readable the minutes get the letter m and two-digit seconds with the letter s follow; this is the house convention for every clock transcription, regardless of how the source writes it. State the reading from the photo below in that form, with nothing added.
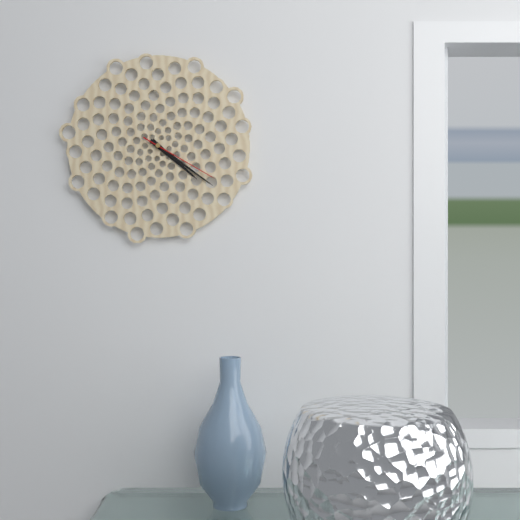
4h21m20s
